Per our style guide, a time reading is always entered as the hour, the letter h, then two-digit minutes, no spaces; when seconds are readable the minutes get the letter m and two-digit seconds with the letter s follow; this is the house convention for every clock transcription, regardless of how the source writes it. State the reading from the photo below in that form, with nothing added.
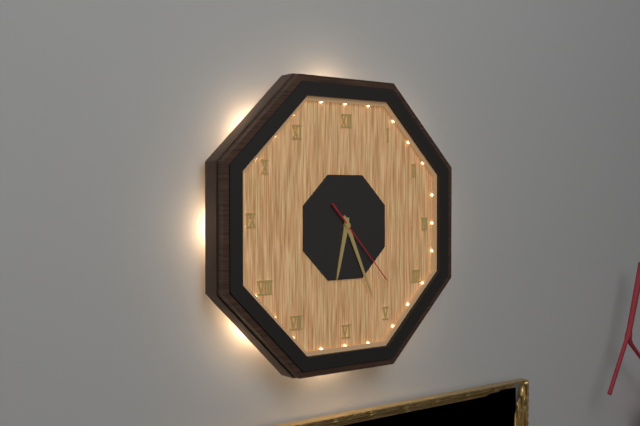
6h26m23s
